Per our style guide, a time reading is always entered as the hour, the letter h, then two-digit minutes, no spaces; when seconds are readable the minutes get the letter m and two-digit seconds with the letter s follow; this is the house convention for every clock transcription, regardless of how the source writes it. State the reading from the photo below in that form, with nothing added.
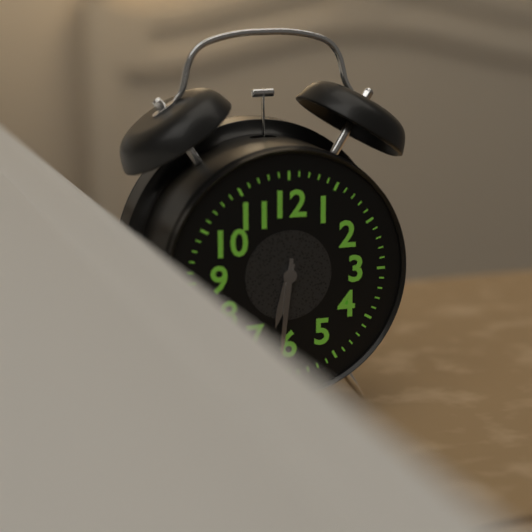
6h31
